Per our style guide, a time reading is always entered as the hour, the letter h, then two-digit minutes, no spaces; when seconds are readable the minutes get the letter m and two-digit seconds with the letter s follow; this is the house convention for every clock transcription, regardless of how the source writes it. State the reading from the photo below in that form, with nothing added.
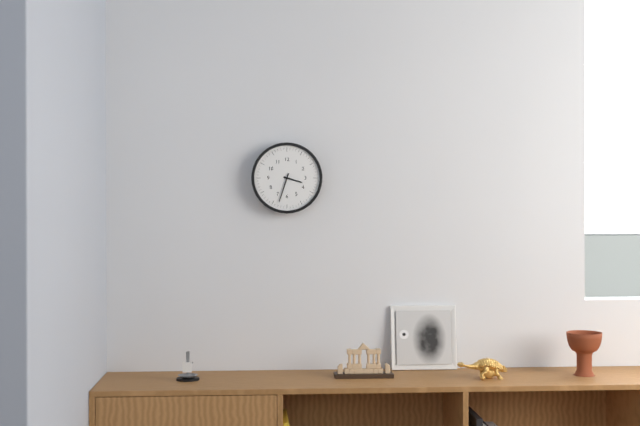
3h33
